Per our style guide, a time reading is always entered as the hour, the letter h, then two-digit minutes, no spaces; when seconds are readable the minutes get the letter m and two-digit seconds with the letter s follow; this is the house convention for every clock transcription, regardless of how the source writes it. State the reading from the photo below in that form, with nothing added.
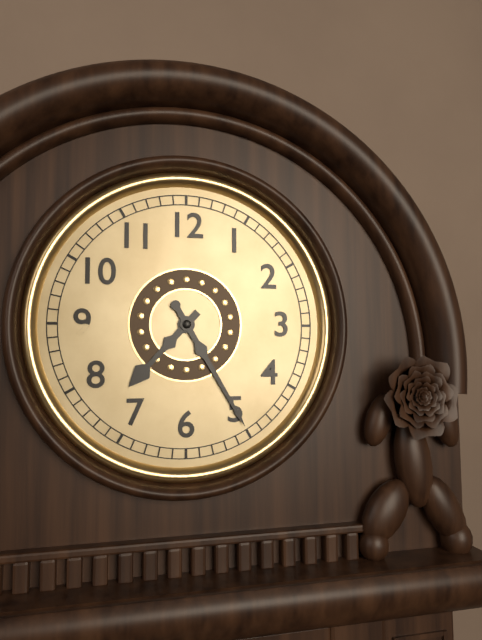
7h25
